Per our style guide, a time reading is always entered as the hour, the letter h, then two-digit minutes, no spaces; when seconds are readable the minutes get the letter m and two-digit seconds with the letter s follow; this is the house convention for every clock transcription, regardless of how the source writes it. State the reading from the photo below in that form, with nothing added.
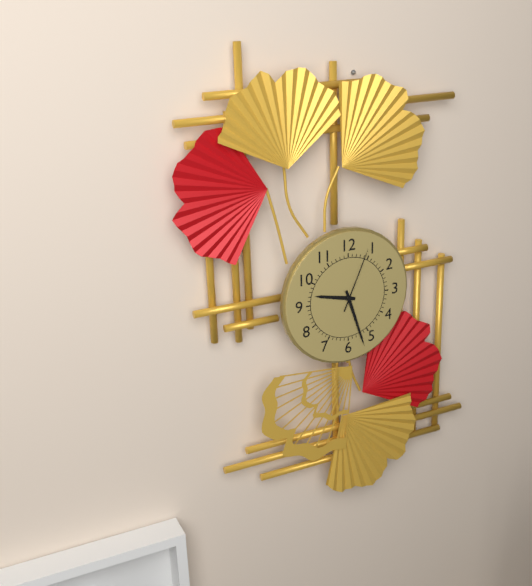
9h27m04s
